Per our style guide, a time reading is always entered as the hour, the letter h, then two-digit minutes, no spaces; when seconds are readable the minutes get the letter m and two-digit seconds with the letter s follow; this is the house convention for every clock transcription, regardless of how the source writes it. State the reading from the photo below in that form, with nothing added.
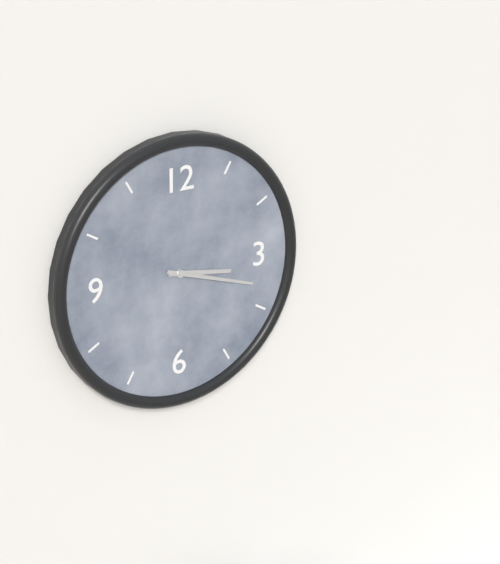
3h18
